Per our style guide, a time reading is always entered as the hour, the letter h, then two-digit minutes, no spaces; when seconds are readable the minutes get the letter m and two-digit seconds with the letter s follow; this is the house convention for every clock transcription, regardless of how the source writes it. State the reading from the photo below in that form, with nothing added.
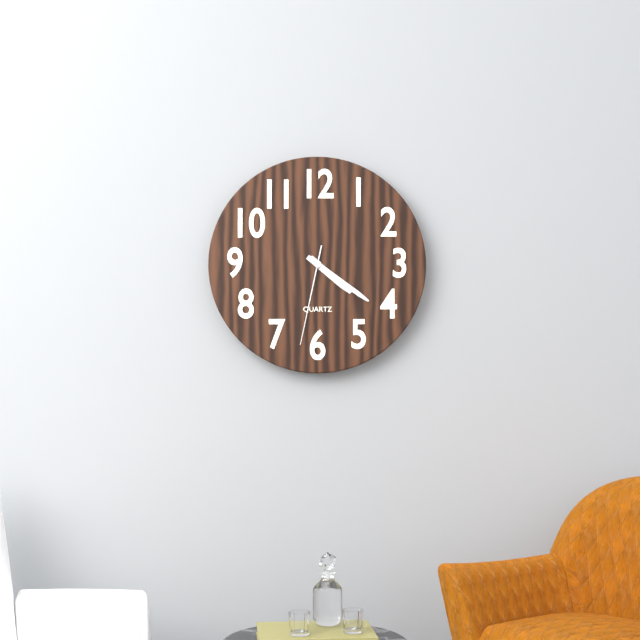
4h21m32s
